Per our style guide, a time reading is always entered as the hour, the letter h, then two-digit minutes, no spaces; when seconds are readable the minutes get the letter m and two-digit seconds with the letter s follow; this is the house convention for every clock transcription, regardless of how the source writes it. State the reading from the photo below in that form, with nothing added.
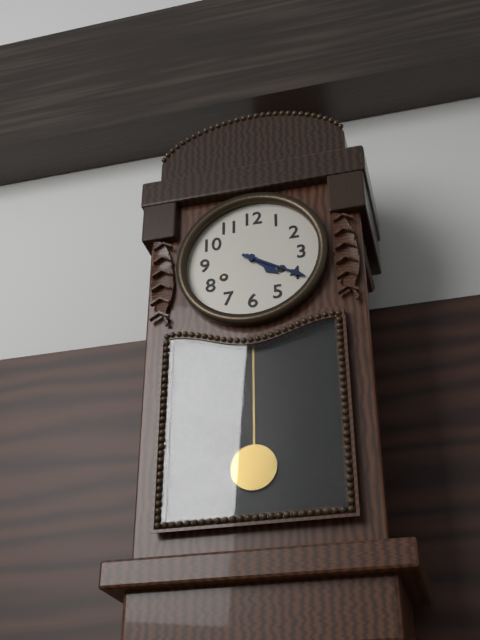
4h20
